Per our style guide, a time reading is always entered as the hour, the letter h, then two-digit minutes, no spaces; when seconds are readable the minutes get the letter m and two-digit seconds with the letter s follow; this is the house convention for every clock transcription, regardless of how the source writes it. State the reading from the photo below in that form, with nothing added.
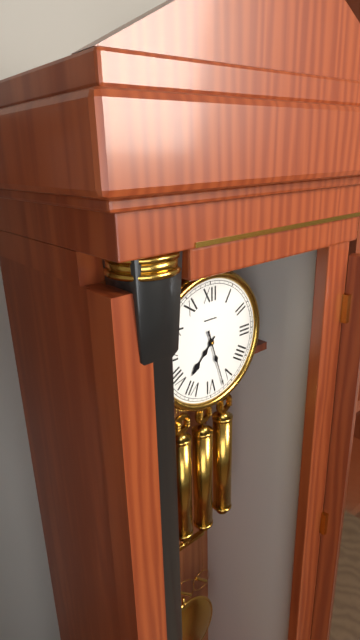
7h27
